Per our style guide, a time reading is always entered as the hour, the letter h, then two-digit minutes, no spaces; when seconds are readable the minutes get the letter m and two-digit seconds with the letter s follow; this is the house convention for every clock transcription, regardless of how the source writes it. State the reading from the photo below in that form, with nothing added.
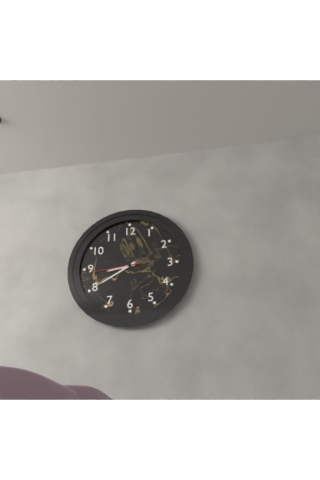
8h40
